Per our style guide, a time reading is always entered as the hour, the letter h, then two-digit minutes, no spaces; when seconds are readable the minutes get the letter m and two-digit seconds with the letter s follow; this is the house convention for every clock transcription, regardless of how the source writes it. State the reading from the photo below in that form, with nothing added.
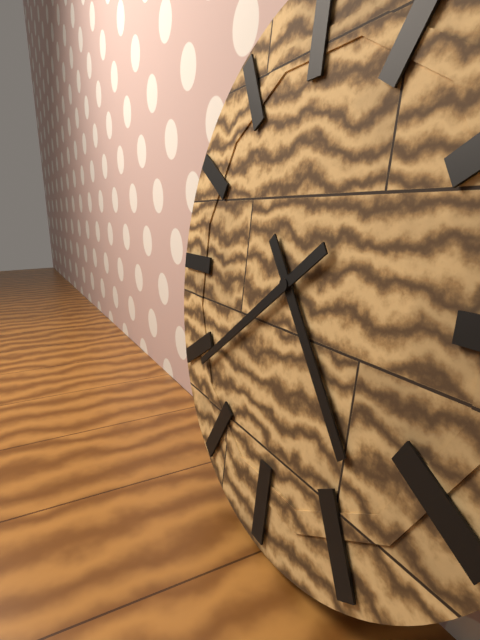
4h39
